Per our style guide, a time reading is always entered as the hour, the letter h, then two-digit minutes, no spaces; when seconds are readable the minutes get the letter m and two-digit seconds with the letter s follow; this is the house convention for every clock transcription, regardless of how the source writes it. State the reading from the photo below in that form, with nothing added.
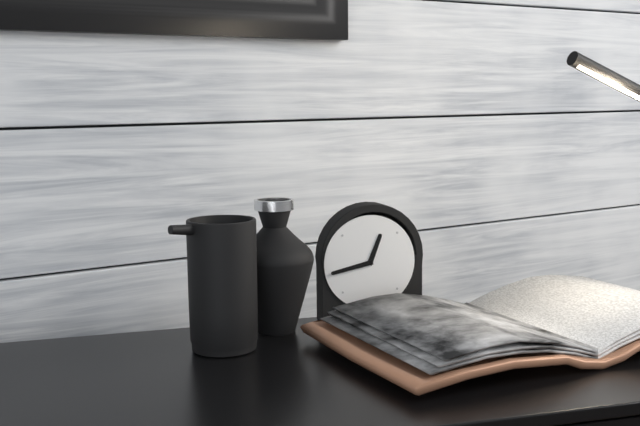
12h43
